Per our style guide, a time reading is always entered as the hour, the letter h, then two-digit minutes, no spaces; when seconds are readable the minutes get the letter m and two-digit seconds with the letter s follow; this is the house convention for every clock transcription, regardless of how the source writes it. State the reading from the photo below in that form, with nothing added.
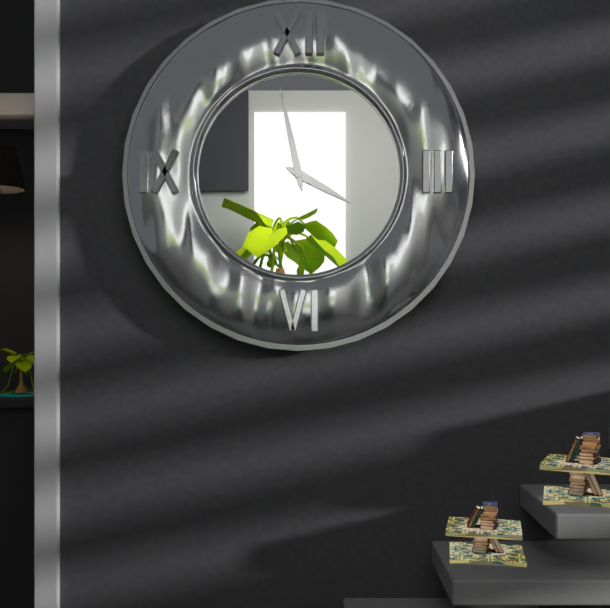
3h58
